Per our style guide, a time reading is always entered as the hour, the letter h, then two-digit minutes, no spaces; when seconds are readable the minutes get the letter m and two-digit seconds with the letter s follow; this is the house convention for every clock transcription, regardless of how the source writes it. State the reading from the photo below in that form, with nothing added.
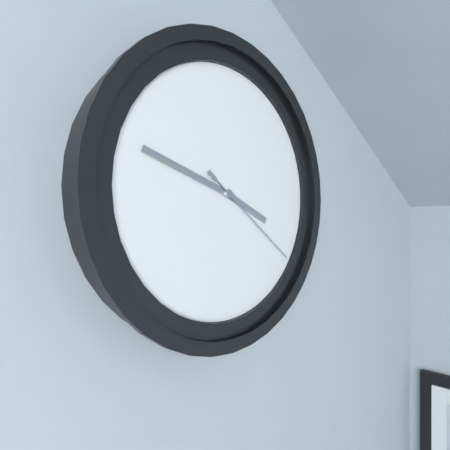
3h48m21s
